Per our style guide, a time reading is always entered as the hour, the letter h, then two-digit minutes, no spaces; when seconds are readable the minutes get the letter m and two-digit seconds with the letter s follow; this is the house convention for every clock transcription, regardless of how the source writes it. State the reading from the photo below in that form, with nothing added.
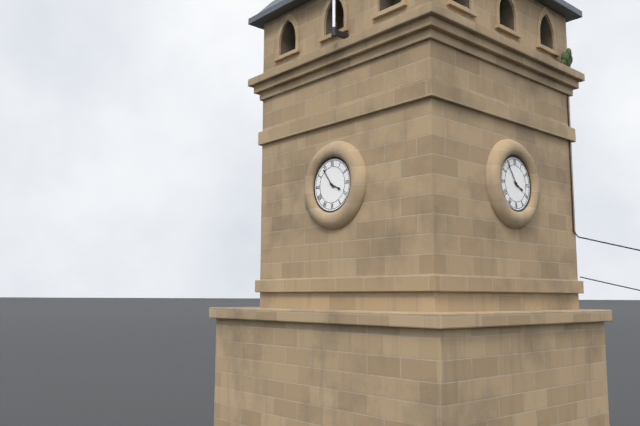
3h54
